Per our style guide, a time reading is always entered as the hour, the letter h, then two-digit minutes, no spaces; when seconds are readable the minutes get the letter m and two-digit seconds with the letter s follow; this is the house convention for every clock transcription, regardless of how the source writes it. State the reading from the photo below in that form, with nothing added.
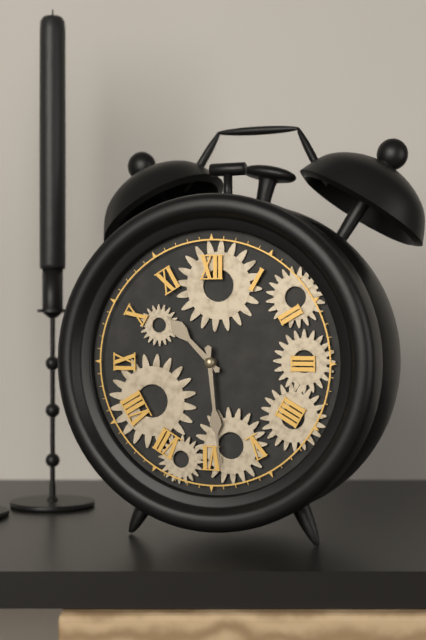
10h29
